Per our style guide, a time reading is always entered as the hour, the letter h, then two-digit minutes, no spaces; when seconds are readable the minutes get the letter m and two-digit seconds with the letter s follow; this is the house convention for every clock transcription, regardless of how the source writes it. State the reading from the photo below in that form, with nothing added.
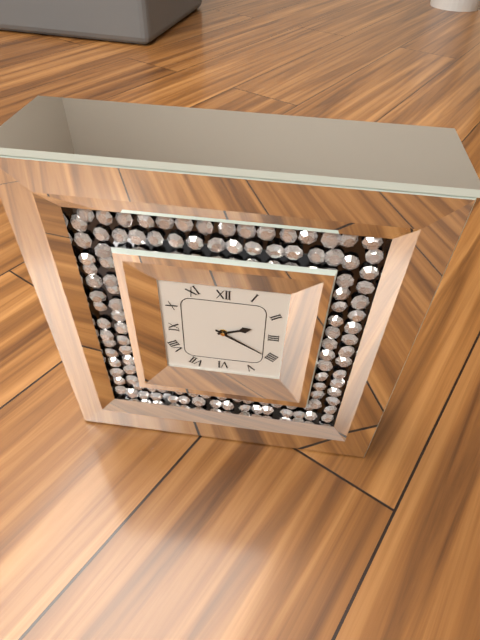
2h20
